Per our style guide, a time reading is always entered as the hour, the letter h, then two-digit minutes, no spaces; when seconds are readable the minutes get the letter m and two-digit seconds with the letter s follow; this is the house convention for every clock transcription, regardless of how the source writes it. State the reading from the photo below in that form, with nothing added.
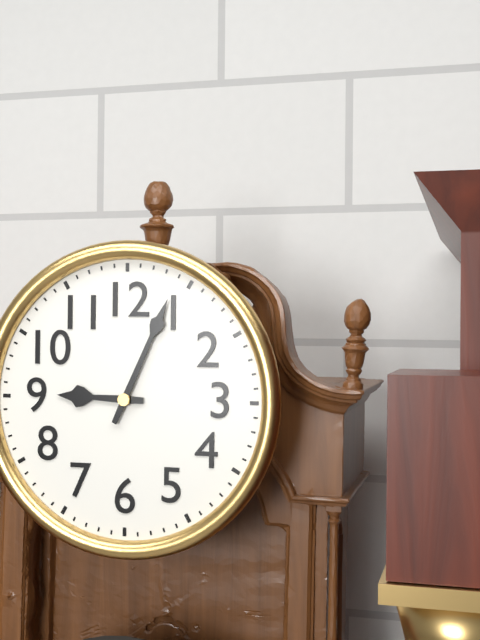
9h04
